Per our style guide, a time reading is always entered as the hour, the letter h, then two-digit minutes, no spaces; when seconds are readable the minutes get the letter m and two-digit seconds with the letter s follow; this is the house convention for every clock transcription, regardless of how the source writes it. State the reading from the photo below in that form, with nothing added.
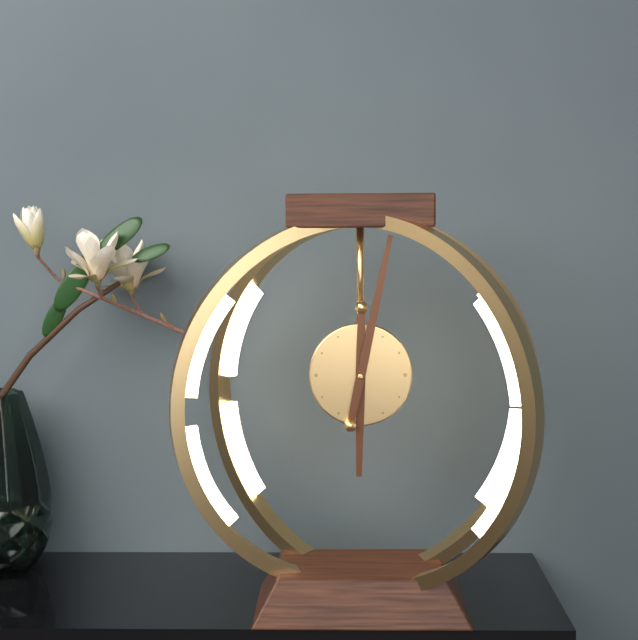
6h02
